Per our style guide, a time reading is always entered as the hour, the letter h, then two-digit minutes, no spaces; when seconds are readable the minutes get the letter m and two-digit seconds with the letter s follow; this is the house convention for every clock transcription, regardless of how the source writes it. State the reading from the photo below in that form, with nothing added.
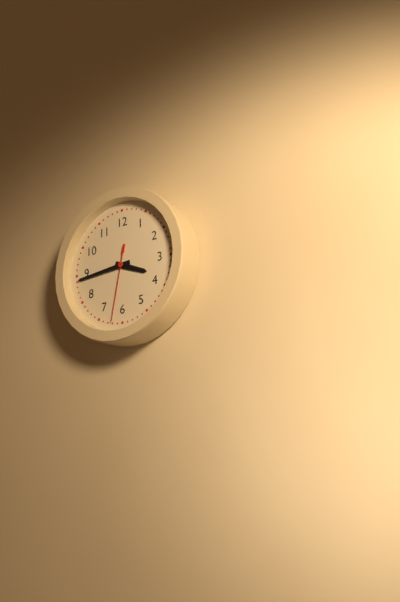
3h44m32s
